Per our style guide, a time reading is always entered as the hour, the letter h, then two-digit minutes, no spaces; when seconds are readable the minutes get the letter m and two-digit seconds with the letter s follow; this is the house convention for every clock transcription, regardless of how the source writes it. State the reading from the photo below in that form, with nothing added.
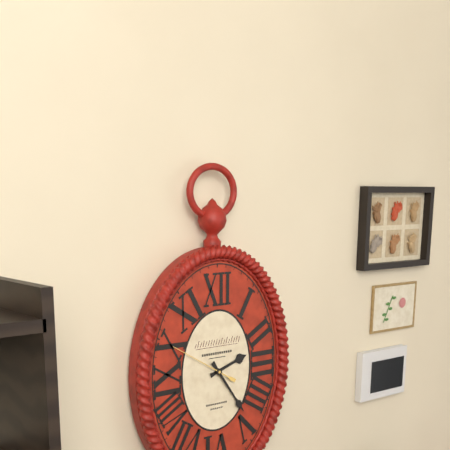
2h24
